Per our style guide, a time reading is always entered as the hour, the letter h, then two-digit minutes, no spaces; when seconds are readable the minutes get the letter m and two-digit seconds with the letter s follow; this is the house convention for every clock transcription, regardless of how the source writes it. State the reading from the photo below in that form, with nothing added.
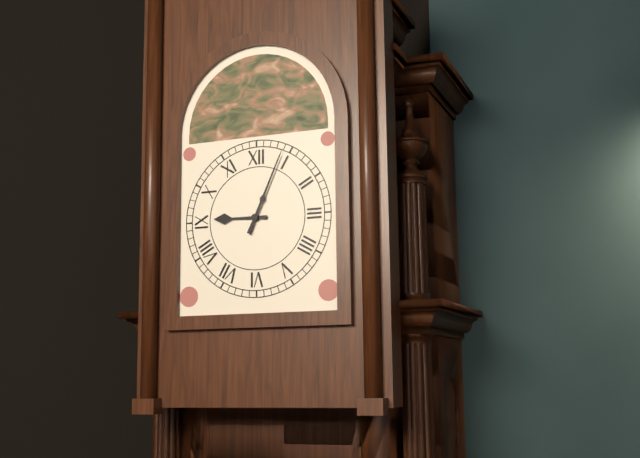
9h04
